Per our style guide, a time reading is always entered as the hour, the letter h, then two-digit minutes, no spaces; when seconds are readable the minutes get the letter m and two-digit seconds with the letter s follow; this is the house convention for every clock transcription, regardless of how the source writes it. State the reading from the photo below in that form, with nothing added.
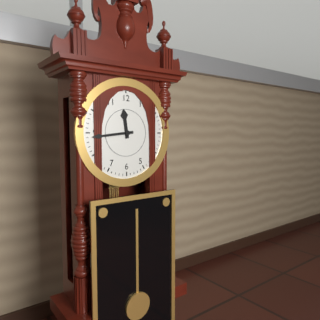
11h44
